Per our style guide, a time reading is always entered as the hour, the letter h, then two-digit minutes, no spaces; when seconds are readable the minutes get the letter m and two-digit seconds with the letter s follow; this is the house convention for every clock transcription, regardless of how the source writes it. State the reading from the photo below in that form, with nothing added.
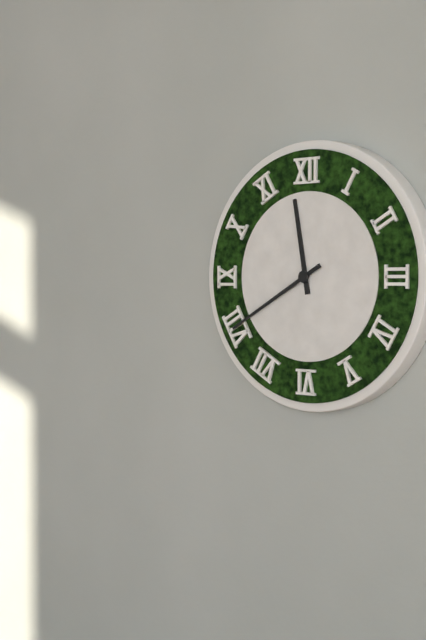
11h40
